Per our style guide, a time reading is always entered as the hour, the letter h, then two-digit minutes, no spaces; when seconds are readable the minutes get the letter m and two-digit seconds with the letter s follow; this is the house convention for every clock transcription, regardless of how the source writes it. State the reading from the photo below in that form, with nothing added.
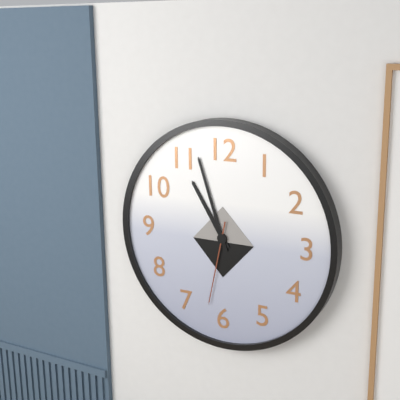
10h57m32s
